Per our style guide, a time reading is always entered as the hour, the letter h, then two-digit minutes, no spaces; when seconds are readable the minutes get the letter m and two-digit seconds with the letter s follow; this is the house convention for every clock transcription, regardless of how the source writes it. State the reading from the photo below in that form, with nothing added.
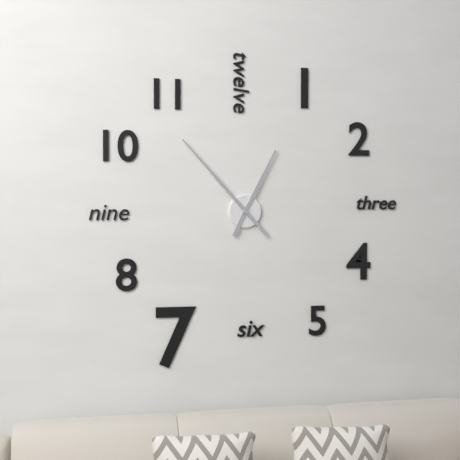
12h53
